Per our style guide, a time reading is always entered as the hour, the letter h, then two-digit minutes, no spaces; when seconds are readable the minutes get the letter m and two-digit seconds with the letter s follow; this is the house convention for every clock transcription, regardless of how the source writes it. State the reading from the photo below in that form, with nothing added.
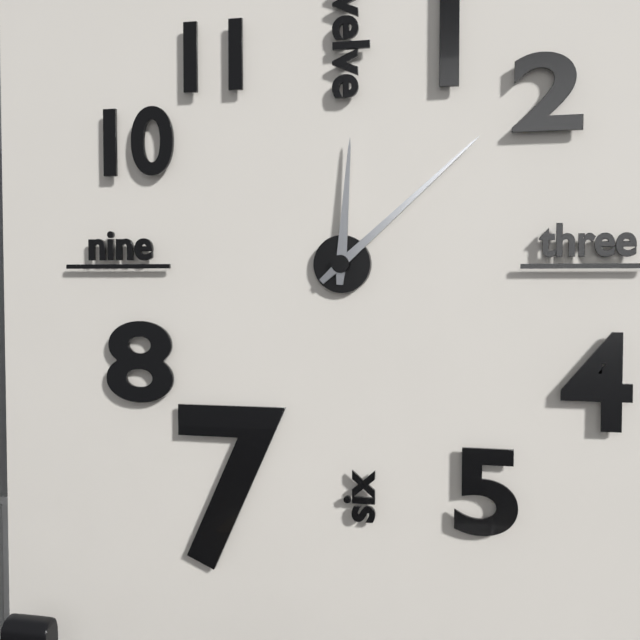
12h08
